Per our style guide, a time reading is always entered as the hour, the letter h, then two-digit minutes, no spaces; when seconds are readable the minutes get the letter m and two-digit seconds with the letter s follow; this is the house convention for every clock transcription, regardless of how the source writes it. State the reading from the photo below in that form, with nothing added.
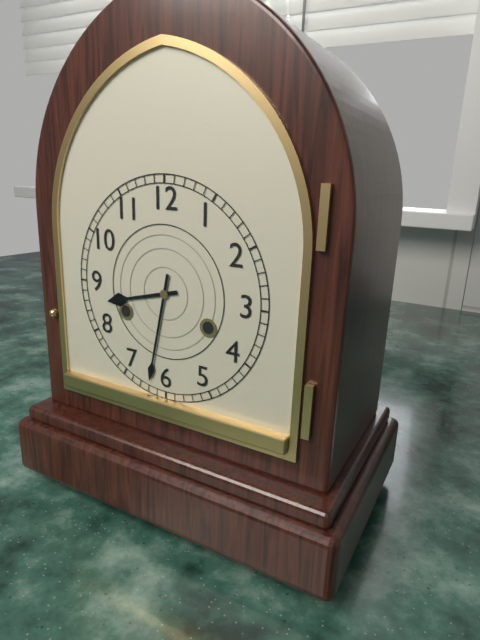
8h32
